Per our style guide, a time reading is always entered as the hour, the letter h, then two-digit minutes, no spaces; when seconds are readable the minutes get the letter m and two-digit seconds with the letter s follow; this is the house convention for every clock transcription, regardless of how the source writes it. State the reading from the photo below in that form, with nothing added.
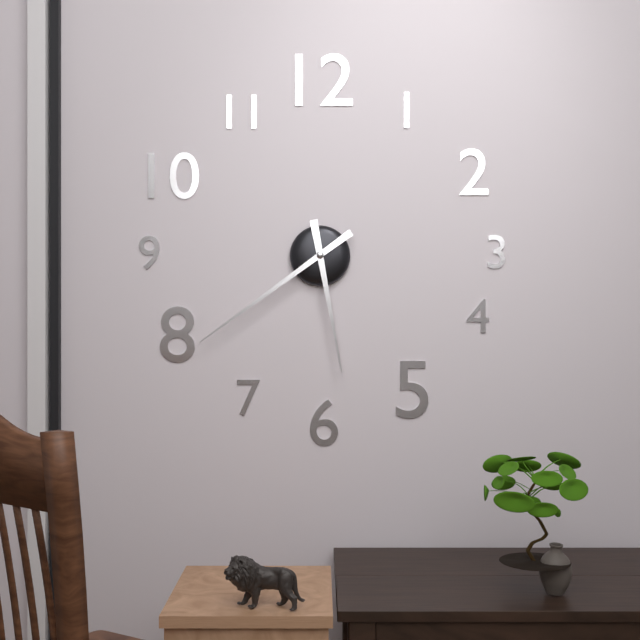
5h39
